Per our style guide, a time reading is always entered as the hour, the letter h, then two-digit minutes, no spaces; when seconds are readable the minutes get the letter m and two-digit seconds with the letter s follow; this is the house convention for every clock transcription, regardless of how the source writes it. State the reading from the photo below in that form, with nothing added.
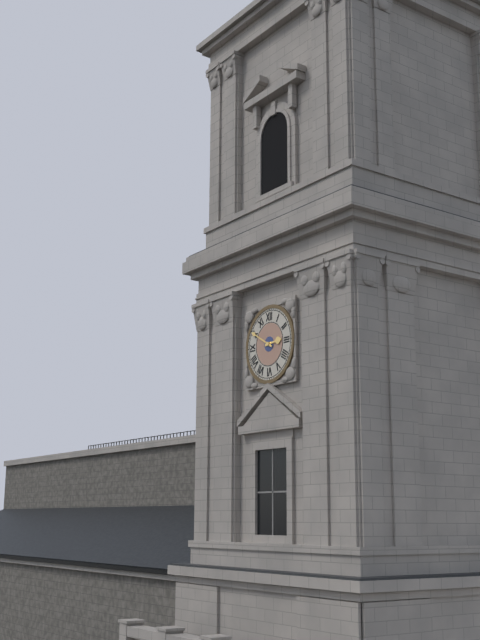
2h50
